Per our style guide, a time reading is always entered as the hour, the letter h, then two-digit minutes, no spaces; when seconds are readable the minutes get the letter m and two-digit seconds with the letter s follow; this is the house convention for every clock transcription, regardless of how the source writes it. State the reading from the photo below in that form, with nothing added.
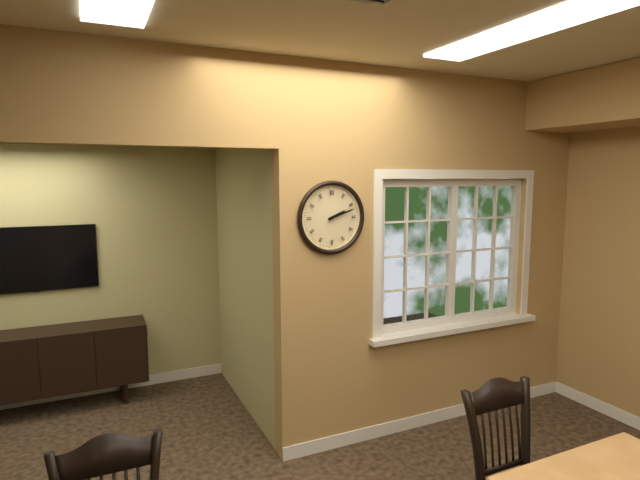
2h12
